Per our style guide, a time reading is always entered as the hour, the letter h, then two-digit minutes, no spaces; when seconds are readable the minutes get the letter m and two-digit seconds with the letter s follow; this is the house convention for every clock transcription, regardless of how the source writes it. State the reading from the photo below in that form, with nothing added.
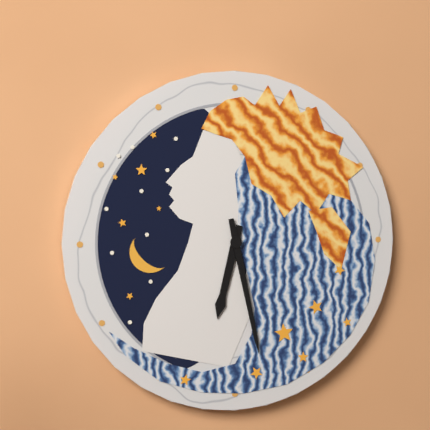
6h28
